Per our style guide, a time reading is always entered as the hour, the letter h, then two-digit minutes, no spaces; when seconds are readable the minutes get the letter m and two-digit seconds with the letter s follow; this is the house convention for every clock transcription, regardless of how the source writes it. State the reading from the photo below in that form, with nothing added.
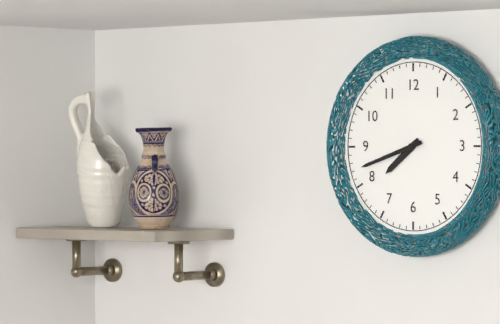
7h42
